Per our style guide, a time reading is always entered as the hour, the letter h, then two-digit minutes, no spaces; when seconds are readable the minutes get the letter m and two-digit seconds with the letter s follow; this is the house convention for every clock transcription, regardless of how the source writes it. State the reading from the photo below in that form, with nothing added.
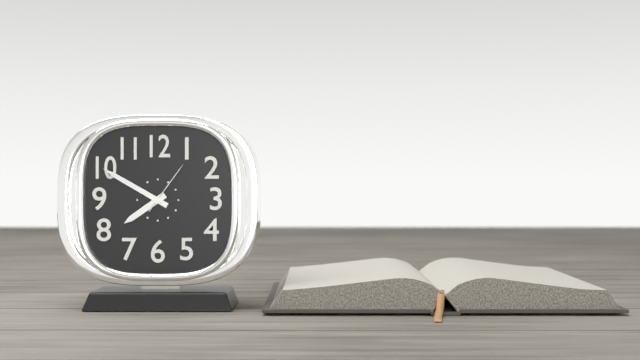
7h50m06s
